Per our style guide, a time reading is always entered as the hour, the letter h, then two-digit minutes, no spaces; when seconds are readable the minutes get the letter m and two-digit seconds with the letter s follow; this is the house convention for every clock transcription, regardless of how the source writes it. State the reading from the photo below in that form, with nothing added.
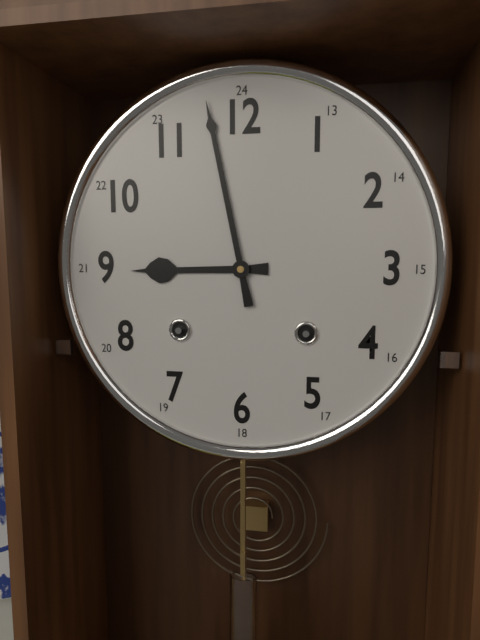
8h58
